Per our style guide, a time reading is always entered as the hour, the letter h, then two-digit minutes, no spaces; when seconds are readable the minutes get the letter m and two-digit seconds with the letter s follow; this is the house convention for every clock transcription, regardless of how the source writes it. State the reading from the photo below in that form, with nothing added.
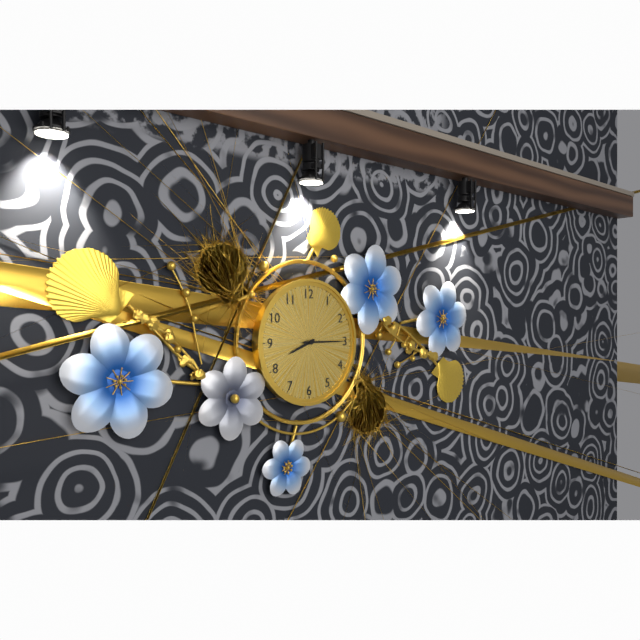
8h15
